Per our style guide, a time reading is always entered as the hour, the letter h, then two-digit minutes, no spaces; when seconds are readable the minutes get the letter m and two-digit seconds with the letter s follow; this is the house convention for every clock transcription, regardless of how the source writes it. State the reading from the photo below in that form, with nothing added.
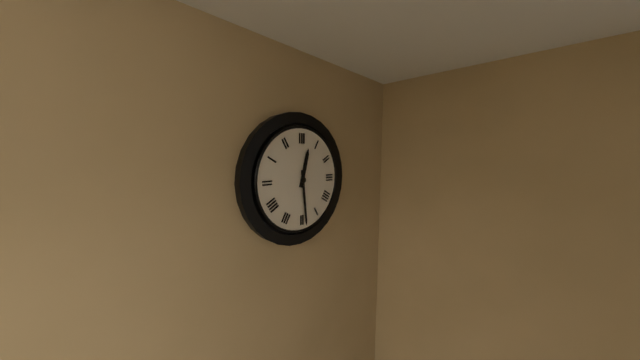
12h29
